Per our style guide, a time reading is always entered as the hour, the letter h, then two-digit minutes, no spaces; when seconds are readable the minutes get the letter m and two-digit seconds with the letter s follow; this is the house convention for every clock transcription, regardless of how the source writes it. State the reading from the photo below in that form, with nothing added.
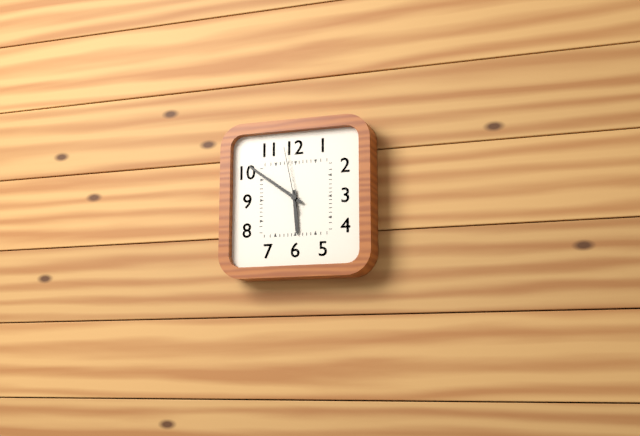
5h51m58s
